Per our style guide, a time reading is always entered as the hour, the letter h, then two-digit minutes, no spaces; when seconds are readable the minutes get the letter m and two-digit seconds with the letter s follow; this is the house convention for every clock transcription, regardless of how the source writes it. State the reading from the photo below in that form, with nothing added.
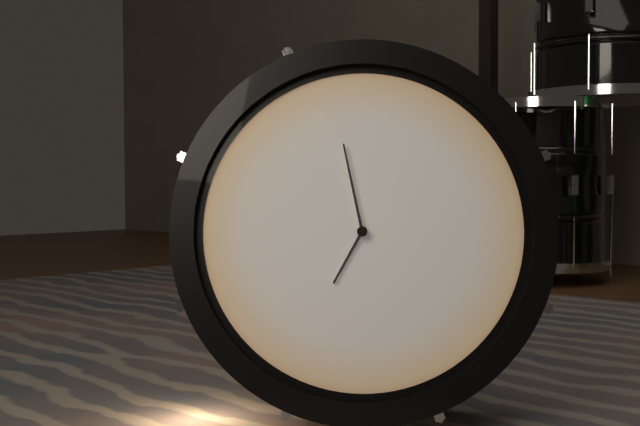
6h58
